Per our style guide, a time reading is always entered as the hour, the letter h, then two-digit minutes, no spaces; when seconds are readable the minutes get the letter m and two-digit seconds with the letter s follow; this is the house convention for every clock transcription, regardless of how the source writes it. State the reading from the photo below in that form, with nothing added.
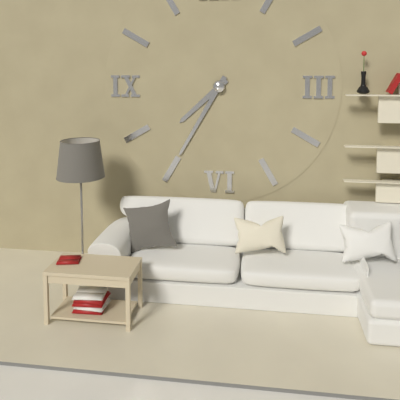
7h35
